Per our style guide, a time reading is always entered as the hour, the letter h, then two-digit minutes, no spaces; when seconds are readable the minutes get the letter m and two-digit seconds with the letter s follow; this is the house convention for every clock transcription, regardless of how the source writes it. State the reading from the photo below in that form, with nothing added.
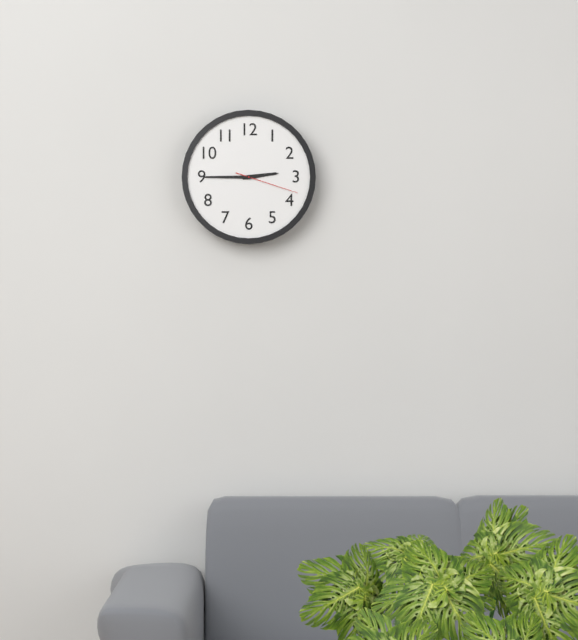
2h45m18s
